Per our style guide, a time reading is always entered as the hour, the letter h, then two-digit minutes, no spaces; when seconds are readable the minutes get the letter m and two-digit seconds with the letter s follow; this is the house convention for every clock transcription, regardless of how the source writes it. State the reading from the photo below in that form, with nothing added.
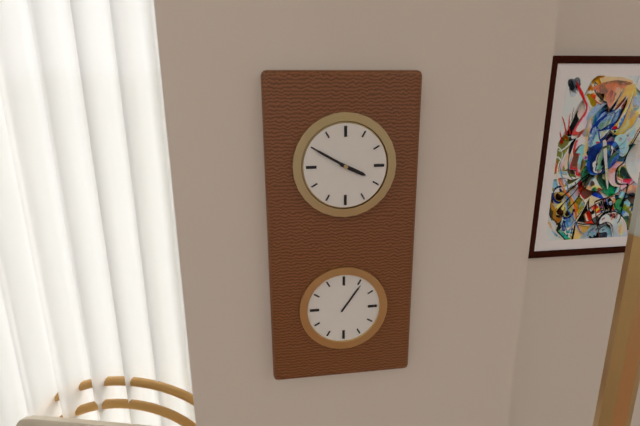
3h50
